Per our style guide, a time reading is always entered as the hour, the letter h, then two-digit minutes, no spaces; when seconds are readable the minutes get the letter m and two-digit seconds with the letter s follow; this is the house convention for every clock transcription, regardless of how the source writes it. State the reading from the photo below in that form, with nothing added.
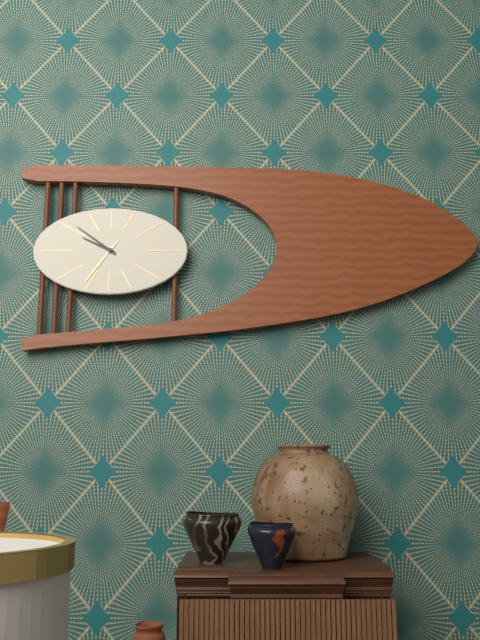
9h51m36s
